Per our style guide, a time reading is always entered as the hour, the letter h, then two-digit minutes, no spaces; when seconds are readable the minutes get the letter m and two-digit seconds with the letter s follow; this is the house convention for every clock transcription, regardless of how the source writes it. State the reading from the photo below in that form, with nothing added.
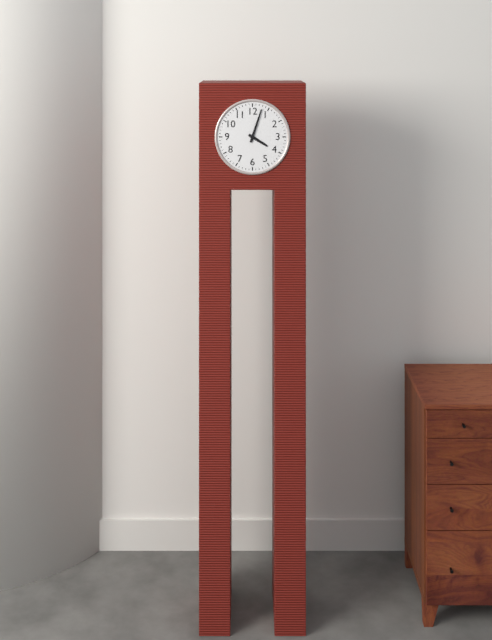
4h03
